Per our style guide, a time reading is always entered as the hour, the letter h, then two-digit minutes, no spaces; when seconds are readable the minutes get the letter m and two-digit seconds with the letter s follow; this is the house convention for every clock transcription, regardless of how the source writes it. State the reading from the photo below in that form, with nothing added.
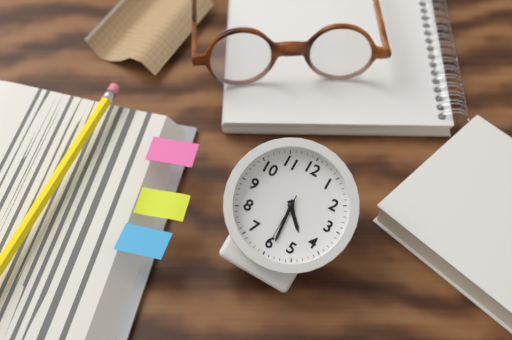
4h29m30s
